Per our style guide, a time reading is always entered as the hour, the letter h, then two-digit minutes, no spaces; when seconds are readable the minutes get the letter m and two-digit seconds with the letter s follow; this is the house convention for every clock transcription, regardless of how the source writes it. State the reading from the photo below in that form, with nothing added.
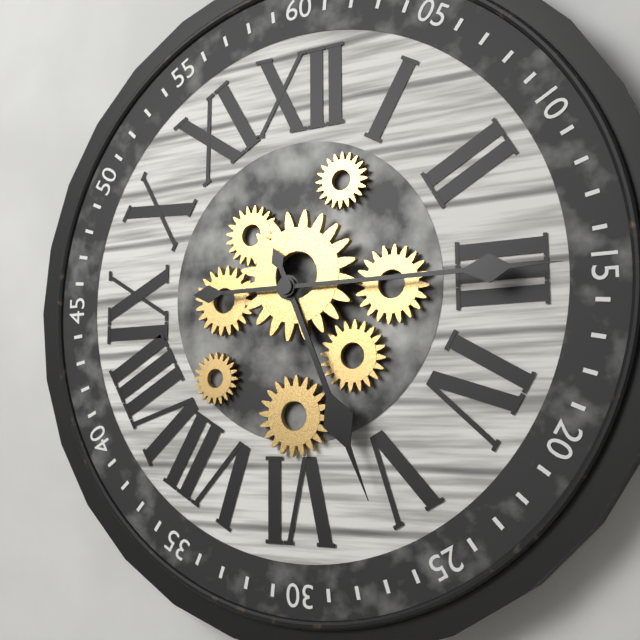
5h15
